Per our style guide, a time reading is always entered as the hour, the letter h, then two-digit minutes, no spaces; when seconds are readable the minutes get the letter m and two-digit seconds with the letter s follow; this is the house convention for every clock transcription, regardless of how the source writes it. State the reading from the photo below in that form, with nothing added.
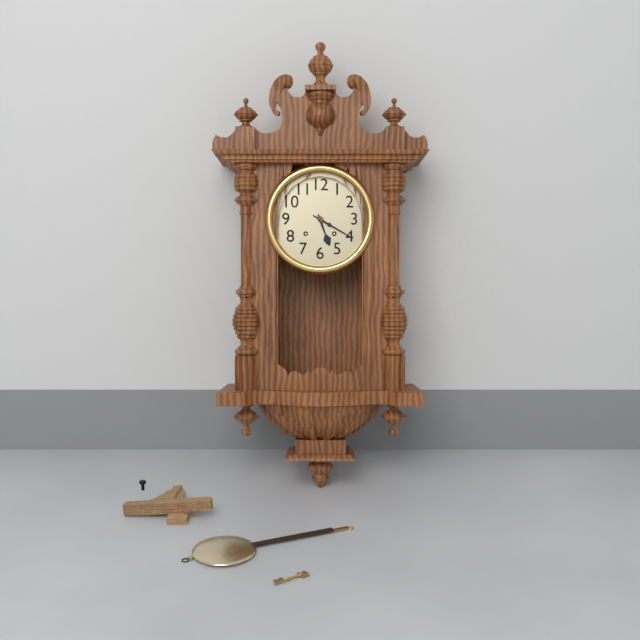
5h20
